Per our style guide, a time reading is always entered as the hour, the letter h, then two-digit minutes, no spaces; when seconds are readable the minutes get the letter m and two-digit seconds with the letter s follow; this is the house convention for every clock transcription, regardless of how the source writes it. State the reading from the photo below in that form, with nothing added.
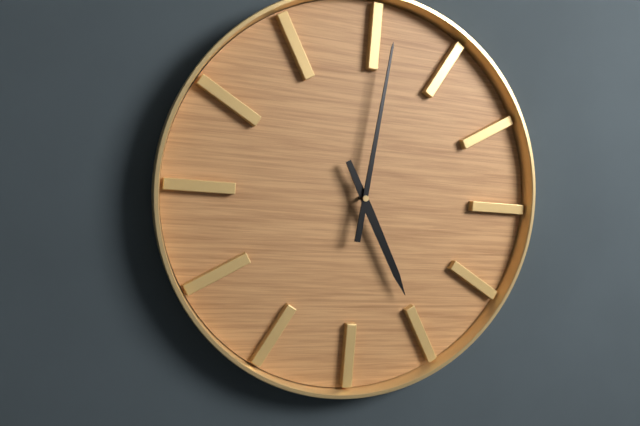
5h01
